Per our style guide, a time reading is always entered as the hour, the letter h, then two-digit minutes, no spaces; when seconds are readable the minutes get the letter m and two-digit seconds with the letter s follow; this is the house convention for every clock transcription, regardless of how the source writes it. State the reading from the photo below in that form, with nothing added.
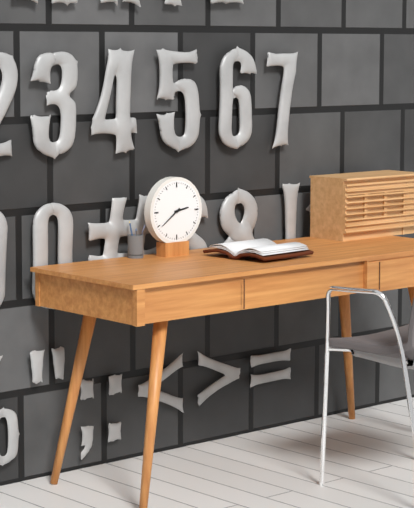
2h39
